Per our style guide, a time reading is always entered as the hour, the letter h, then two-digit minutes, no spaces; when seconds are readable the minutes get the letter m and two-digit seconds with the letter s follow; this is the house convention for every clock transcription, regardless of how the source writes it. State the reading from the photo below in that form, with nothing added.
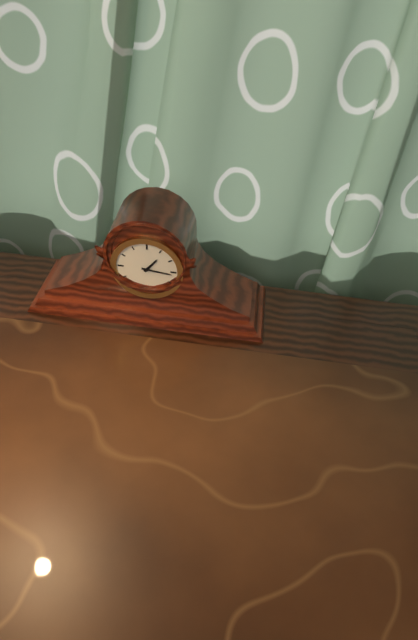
1h16
